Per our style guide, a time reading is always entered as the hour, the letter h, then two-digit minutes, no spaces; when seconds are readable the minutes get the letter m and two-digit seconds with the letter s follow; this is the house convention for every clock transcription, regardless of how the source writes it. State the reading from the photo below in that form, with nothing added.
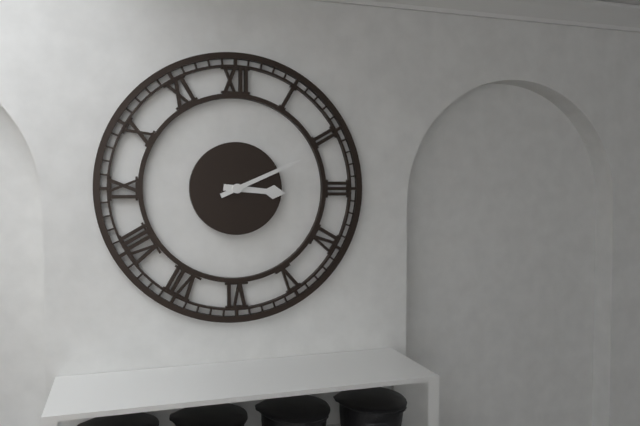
3h11
